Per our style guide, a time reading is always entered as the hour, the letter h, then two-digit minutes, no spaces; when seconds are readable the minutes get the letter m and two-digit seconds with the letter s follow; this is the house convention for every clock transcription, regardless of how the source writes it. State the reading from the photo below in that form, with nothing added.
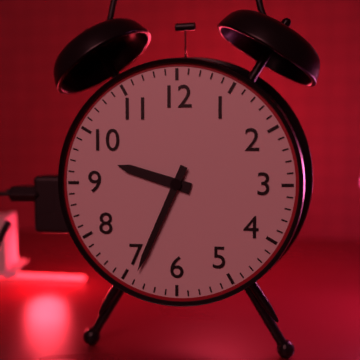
9h34
